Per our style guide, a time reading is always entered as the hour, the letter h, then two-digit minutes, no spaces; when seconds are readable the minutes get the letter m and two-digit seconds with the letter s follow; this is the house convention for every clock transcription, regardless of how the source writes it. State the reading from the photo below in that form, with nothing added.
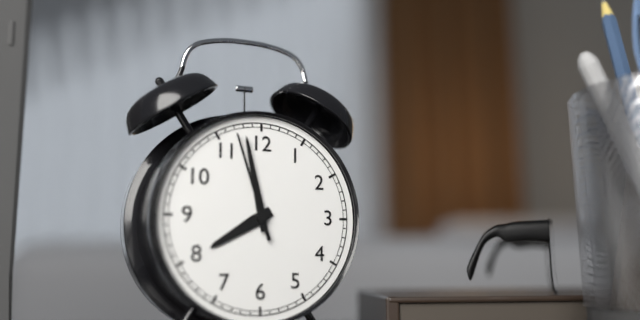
7h58m57s
